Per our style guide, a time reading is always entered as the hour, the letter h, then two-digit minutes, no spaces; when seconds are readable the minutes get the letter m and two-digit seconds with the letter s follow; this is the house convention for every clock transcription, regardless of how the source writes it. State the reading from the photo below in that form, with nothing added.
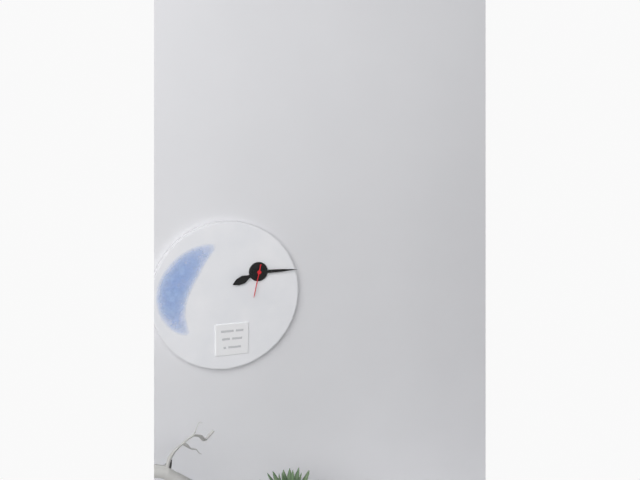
8h15
